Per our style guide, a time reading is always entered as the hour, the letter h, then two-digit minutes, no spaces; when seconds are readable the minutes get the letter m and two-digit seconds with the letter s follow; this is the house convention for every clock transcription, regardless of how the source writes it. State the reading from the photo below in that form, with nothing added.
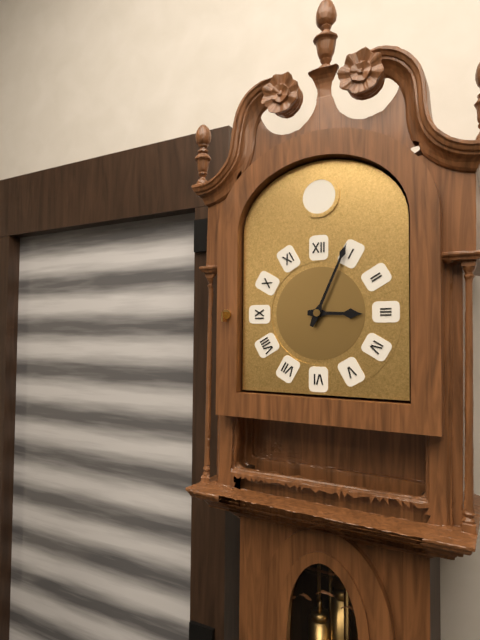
3h04
